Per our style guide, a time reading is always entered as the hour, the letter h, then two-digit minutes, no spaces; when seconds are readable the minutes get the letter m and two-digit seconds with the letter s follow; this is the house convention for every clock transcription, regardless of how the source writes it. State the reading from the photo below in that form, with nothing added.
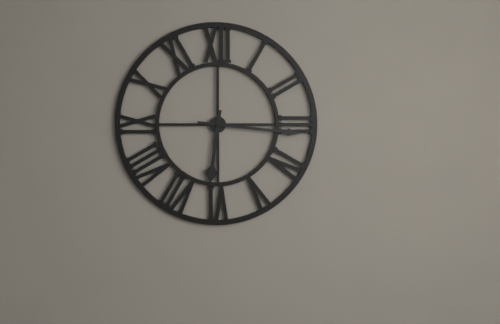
6h16
